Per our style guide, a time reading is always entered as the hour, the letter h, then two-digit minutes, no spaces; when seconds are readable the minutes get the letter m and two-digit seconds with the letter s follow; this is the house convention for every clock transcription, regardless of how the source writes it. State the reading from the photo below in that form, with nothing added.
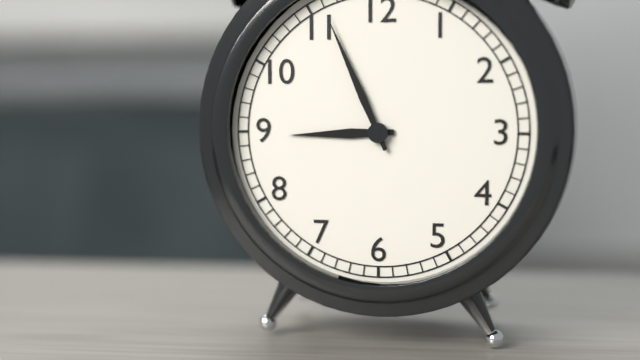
8h56
